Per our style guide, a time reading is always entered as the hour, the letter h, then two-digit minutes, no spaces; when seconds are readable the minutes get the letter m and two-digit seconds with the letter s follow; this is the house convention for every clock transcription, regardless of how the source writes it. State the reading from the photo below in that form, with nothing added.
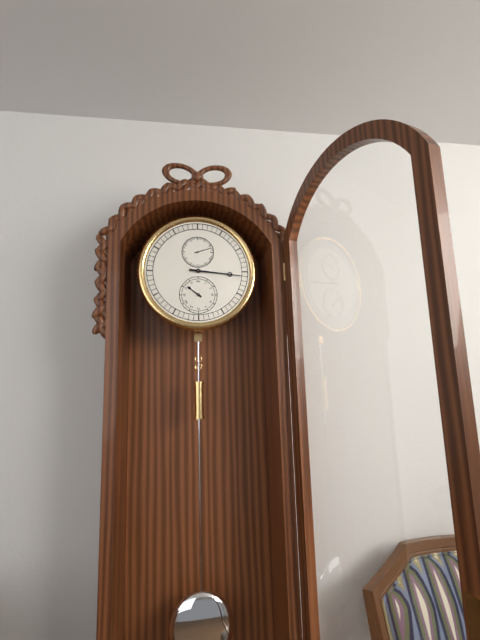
10h16
